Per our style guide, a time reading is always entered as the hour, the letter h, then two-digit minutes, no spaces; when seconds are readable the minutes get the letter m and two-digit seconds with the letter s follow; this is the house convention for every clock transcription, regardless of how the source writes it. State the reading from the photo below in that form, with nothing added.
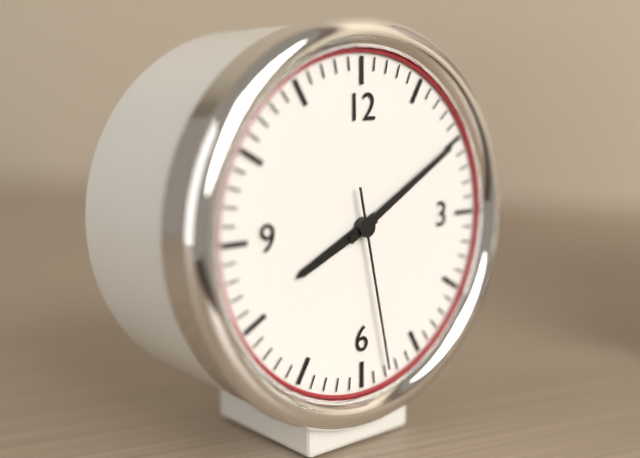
8h10m28s
